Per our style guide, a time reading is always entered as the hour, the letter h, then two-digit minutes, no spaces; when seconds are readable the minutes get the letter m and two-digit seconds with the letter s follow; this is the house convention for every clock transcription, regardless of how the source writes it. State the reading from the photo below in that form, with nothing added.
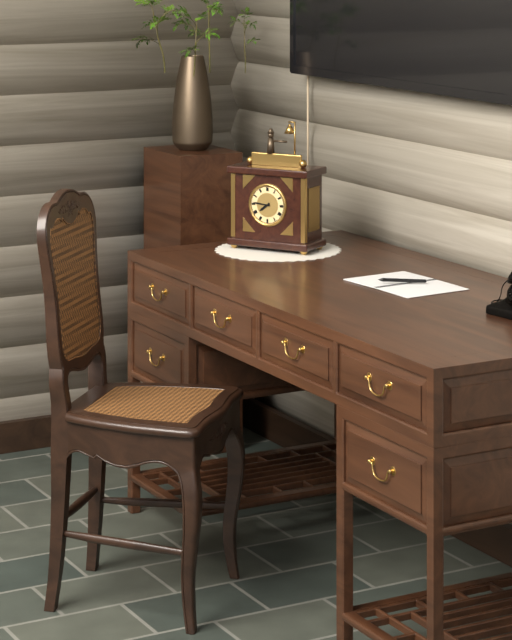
7h46
